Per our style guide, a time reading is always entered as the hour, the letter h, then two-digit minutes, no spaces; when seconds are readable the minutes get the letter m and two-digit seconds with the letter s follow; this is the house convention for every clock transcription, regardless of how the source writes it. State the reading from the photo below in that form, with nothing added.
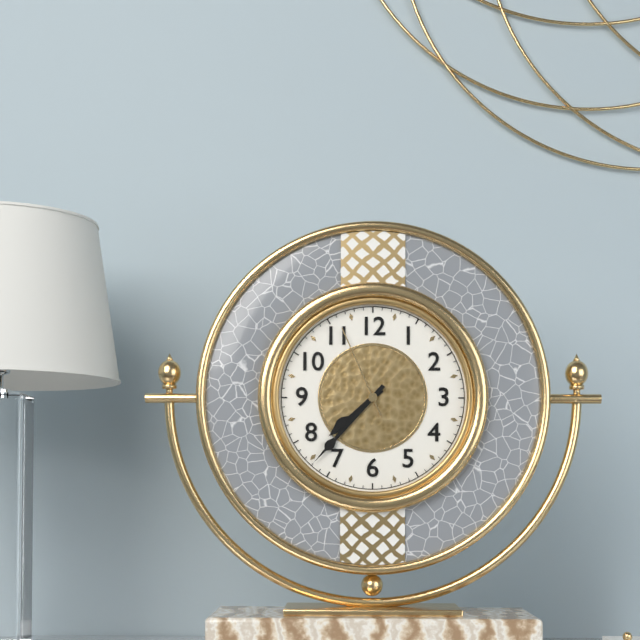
7h37m56s
